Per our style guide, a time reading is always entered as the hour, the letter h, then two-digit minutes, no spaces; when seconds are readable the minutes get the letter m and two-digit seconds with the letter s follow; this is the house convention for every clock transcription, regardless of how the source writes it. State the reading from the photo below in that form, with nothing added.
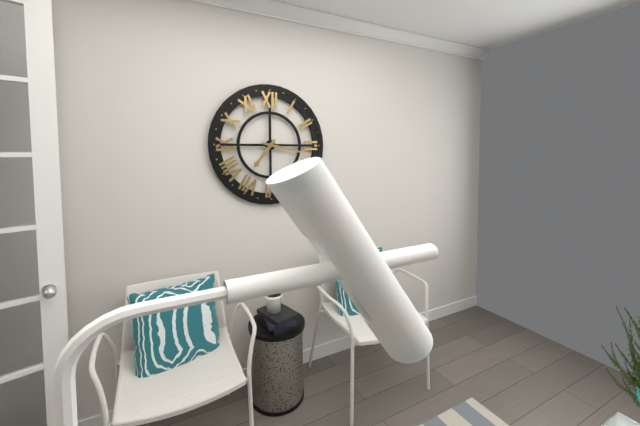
7h17
